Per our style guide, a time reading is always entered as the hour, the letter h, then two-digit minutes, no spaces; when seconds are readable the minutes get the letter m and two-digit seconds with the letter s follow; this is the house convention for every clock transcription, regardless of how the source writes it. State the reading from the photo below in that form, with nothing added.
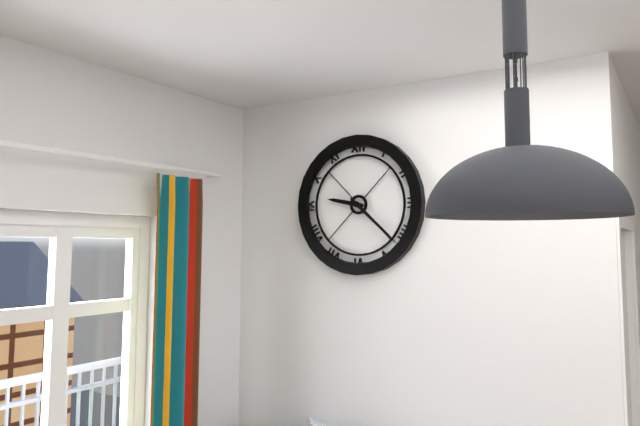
9h22
